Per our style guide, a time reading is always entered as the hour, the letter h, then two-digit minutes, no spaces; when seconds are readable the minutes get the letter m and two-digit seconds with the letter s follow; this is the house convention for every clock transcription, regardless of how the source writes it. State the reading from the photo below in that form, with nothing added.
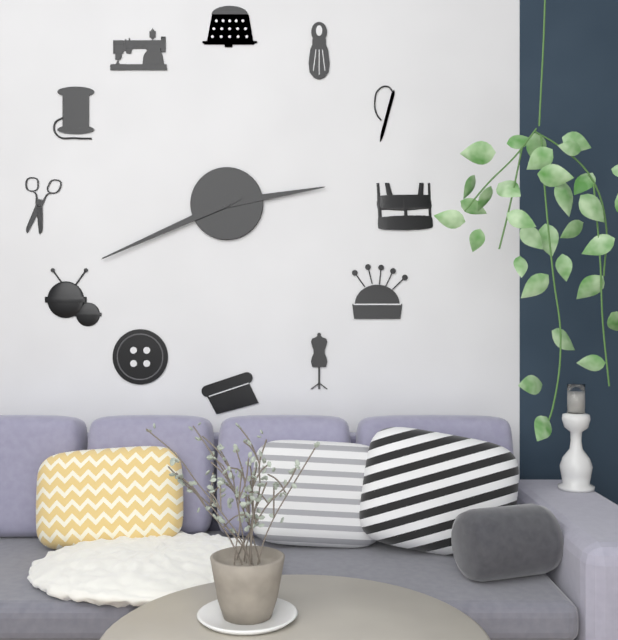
2h41
